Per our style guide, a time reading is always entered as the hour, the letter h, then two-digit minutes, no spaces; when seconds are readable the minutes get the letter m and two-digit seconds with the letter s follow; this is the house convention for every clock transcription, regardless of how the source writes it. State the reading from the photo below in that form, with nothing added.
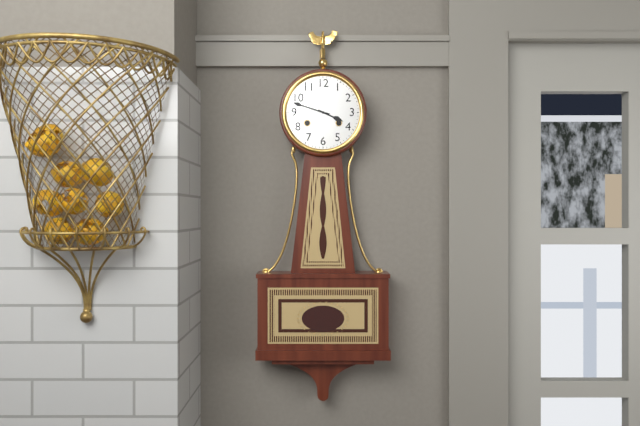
3h48
